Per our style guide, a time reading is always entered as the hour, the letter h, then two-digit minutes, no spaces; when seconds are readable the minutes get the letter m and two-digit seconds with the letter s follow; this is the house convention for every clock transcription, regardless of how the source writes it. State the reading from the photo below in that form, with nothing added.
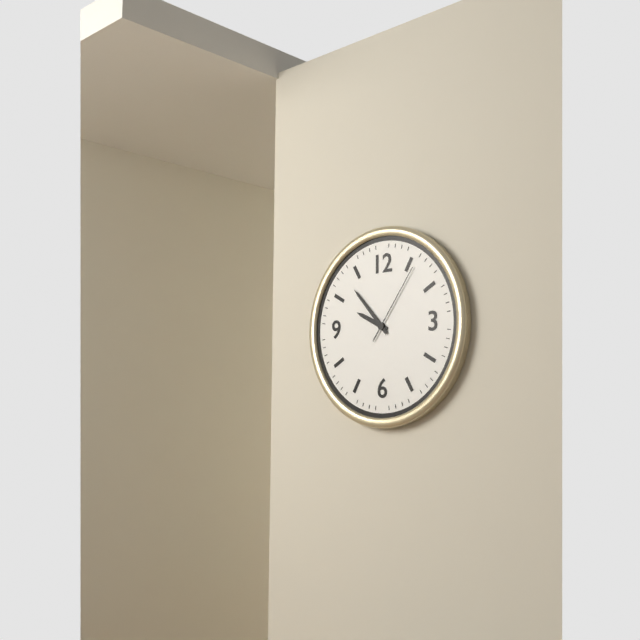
9h53m06s
